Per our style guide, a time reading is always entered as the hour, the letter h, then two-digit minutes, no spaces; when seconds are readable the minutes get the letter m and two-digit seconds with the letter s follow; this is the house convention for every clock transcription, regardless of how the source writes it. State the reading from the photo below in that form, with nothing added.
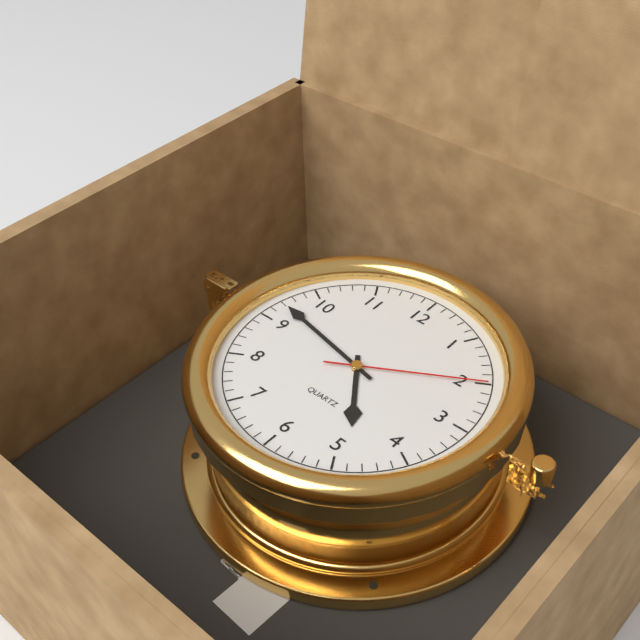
4h47m10s
